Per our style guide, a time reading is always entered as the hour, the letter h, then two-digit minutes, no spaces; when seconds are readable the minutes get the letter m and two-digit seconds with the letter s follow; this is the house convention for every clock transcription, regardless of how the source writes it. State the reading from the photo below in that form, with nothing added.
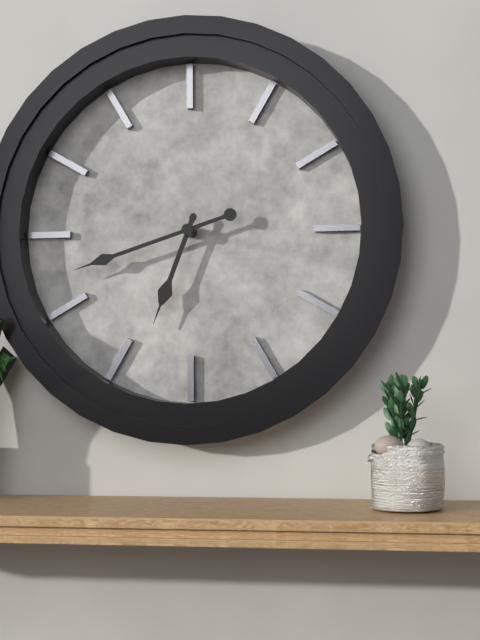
6h42
